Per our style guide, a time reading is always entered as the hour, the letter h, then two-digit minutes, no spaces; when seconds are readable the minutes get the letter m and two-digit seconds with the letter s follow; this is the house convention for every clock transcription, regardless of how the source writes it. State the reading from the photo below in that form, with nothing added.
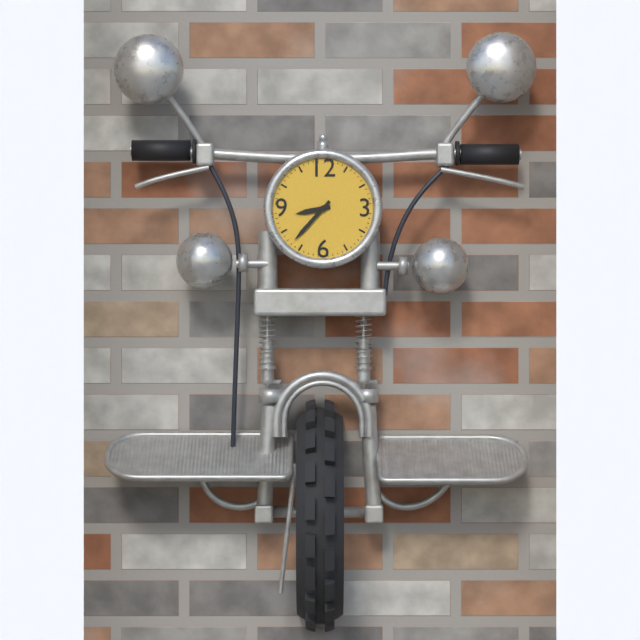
8h37
